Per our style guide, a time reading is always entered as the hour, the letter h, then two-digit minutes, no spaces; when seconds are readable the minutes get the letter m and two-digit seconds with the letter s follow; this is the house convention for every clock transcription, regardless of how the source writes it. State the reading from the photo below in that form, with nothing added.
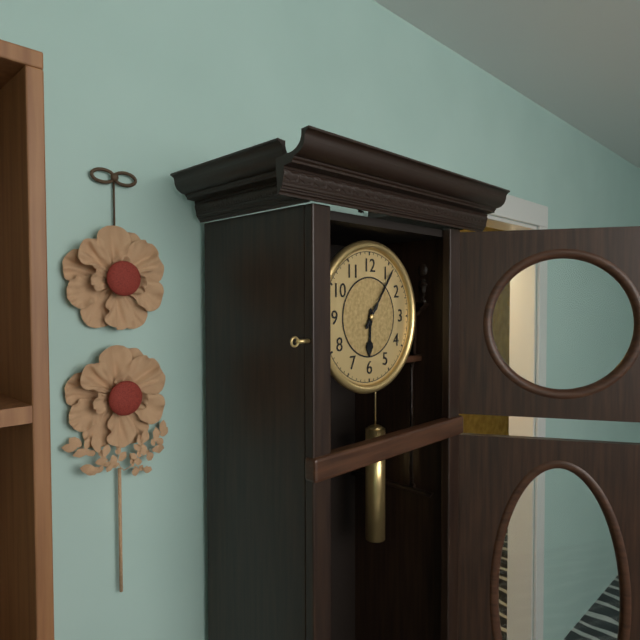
6h06
